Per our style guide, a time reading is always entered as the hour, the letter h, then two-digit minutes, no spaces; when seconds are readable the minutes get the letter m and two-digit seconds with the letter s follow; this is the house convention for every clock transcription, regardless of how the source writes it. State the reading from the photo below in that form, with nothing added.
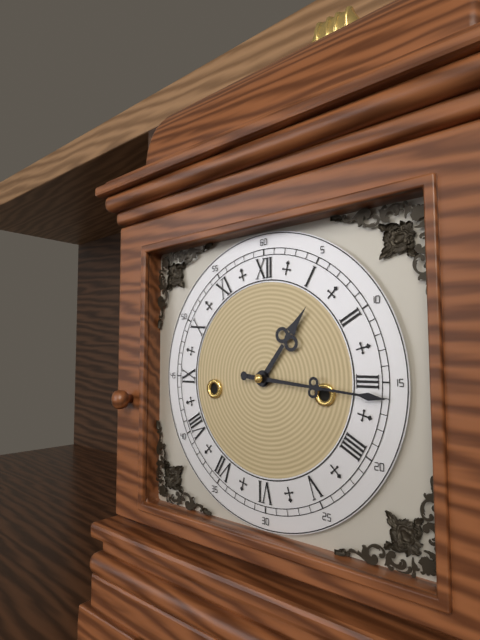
1h16
